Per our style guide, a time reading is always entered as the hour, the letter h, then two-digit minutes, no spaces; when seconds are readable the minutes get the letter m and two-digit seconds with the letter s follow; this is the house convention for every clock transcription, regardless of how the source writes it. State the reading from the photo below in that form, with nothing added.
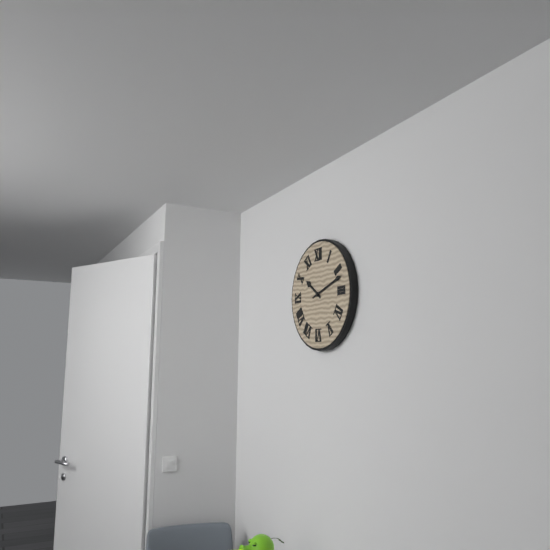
10h12
